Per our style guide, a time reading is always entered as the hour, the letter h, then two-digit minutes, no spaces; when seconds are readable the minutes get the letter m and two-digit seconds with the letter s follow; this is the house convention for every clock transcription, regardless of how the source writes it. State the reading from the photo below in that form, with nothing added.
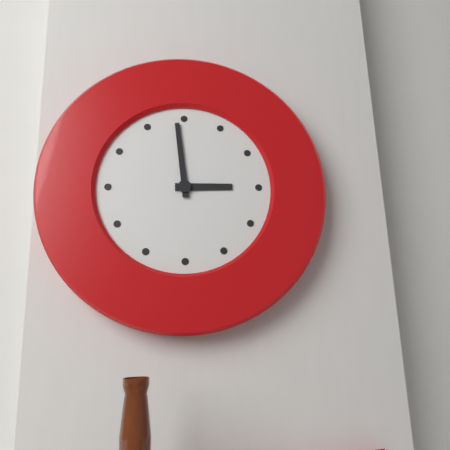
2h59
